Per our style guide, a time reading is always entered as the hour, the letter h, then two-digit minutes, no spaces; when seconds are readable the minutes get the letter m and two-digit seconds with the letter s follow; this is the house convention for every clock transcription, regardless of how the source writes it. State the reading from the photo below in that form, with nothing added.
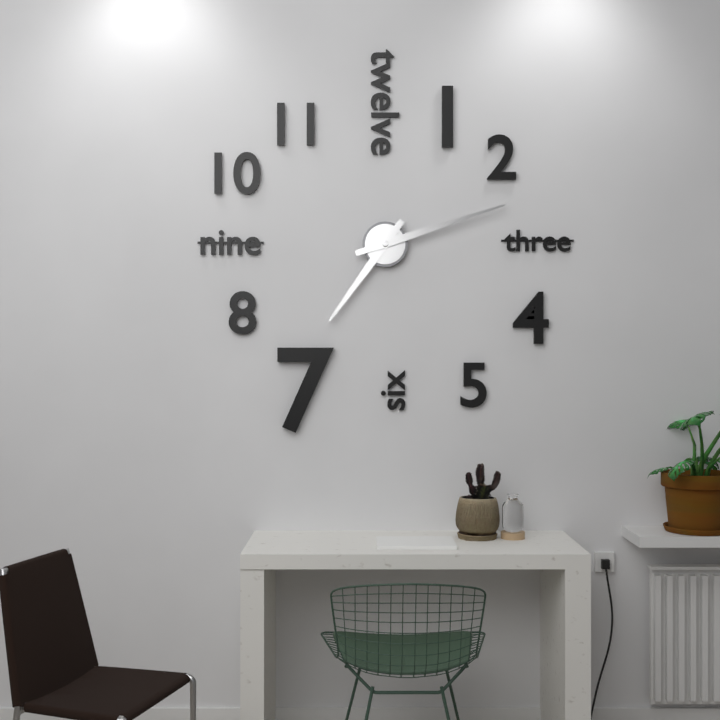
7h12
